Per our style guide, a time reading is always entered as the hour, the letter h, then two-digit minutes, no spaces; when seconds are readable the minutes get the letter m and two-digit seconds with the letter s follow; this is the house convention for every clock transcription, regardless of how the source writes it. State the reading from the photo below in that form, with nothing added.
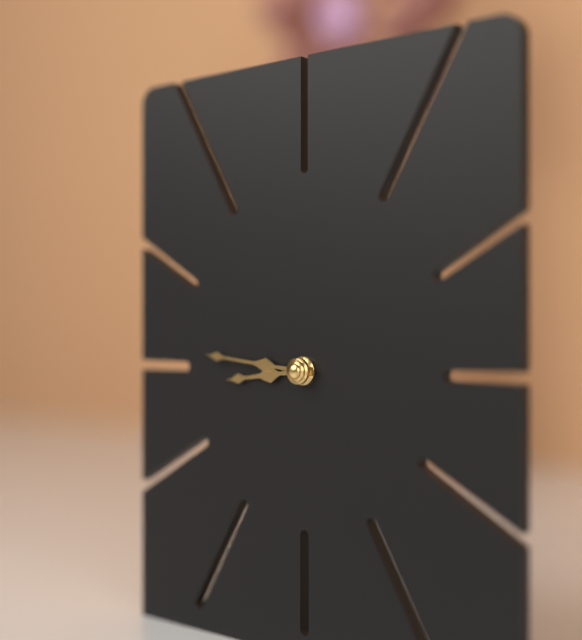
8h46
